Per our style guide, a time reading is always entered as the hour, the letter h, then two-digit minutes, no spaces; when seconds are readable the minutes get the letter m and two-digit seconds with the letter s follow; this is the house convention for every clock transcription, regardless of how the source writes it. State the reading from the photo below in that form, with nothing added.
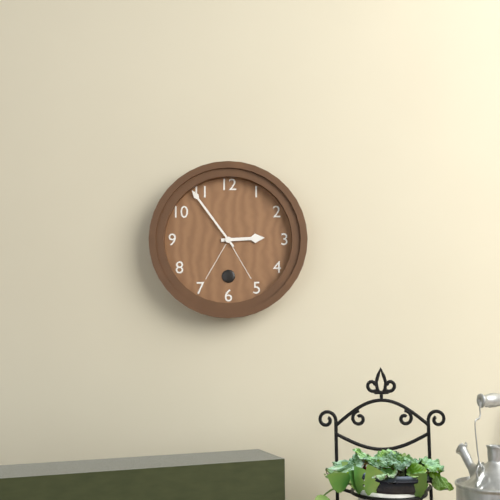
2h54
